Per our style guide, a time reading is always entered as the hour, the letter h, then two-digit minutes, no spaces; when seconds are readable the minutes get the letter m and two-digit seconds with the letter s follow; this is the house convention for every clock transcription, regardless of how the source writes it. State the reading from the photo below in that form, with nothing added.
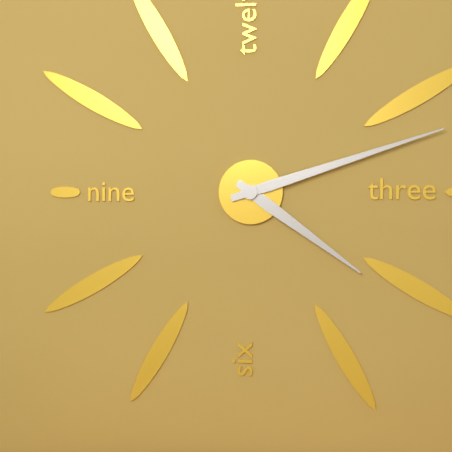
4h12
